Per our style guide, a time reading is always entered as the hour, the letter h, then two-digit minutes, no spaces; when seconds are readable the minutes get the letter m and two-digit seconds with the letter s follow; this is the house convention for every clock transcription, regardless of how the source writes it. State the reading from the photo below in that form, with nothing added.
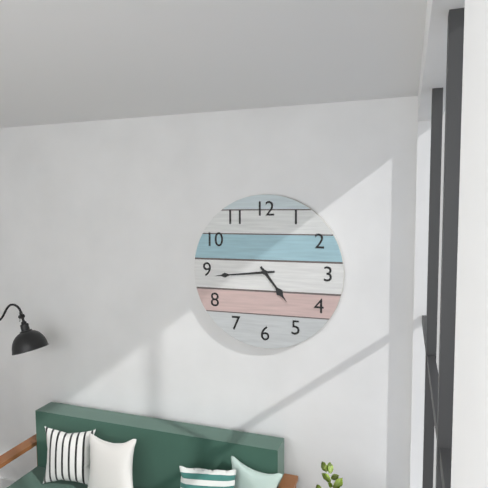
4h44
